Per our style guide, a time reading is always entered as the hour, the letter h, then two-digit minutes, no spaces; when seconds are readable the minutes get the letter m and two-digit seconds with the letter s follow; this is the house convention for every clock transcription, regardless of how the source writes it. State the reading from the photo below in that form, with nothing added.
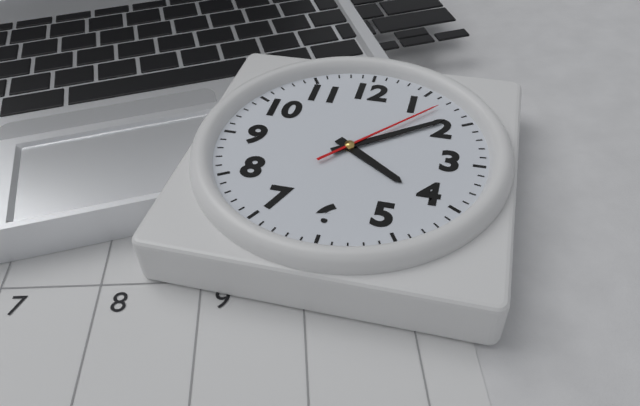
4h09m07s
